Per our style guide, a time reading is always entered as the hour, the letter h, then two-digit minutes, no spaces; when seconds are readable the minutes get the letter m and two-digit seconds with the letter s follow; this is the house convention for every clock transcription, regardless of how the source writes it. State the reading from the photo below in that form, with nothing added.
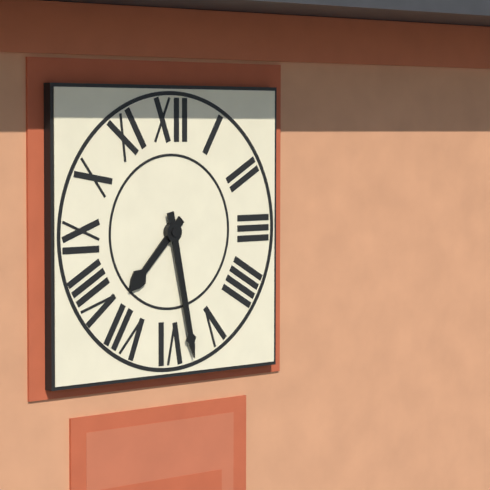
7h28
